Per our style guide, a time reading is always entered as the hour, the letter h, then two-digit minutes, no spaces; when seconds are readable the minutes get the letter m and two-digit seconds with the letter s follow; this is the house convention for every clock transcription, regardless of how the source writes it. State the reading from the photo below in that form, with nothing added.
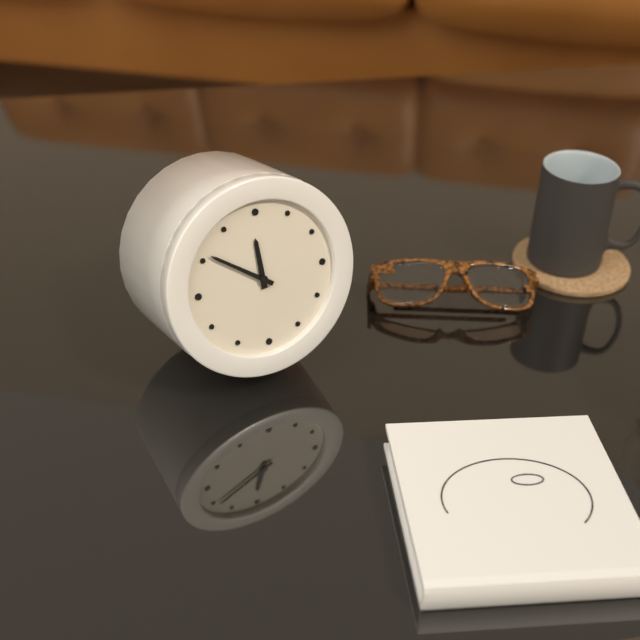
11h51
